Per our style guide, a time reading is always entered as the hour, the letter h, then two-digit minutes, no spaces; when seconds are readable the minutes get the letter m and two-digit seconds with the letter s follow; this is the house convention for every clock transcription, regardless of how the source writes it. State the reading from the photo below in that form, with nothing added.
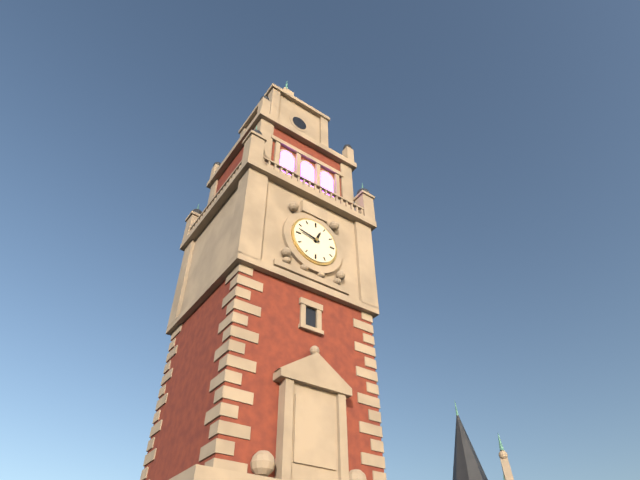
12h47
